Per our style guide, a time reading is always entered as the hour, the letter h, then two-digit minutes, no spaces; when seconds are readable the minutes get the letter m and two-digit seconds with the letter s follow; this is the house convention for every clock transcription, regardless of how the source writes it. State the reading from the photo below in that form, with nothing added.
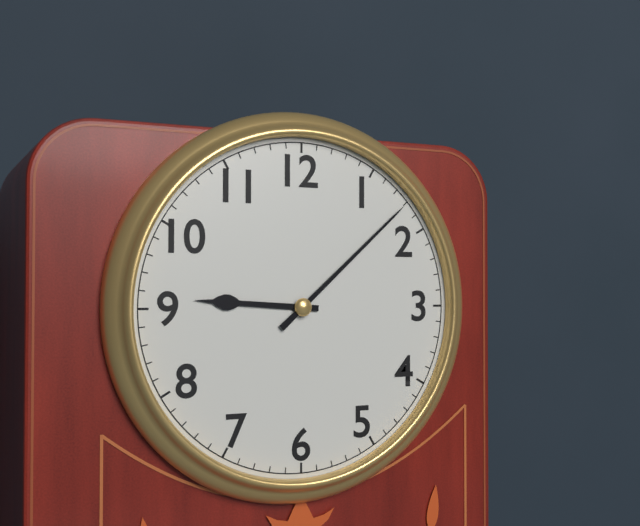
9h08
